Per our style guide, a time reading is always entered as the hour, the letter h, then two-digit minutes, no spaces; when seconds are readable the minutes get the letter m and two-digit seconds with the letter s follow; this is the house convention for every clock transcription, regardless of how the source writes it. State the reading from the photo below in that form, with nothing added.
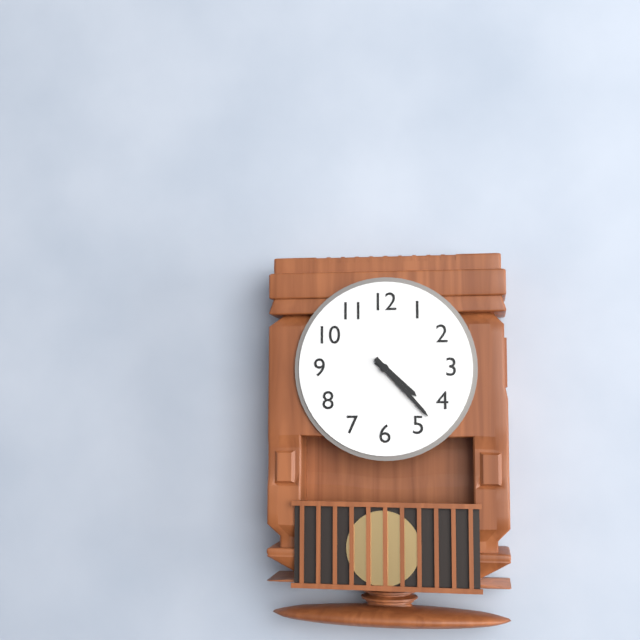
4h23
